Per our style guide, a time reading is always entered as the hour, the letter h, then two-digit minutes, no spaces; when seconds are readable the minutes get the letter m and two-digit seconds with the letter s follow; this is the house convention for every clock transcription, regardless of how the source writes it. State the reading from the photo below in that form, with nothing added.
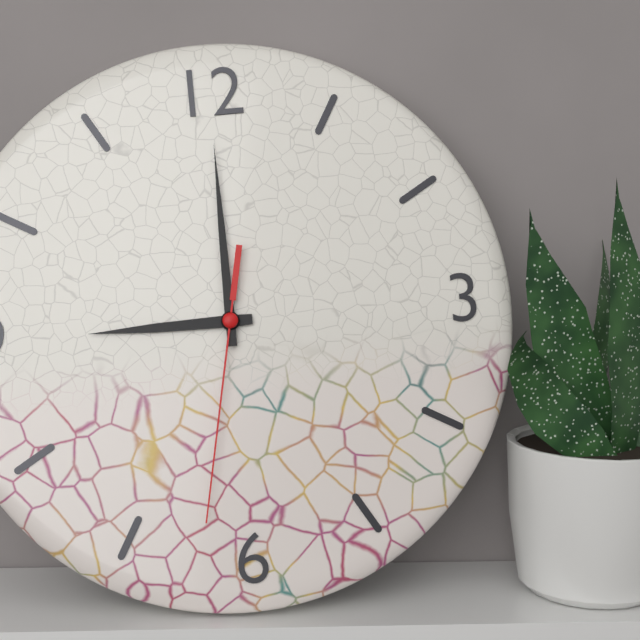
9h00m32s
